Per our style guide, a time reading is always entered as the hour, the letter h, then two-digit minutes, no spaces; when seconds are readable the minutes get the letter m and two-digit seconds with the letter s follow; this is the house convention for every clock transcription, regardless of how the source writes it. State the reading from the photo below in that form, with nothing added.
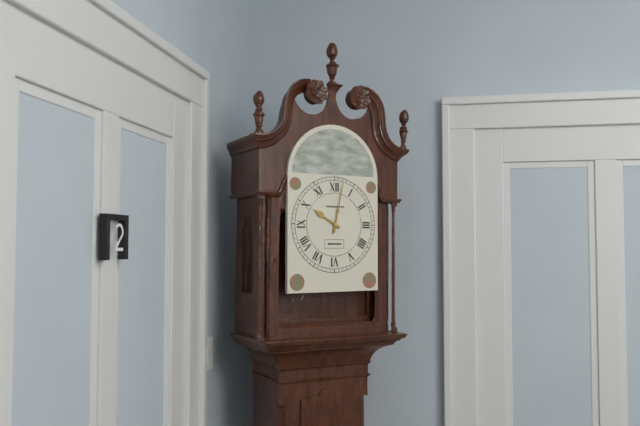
10h02
